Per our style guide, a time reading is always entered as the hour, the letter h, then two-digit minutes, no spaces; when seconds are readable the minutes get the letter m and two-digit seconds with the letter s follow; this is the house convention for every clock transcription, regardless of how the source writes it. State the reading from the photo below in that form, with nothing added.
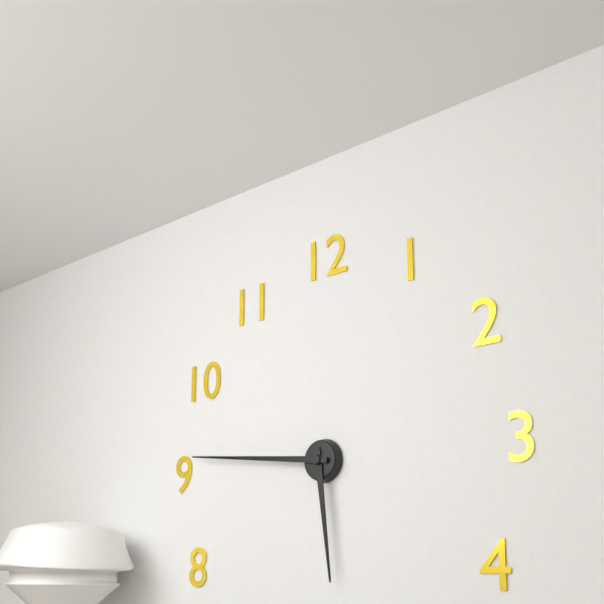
5h46
